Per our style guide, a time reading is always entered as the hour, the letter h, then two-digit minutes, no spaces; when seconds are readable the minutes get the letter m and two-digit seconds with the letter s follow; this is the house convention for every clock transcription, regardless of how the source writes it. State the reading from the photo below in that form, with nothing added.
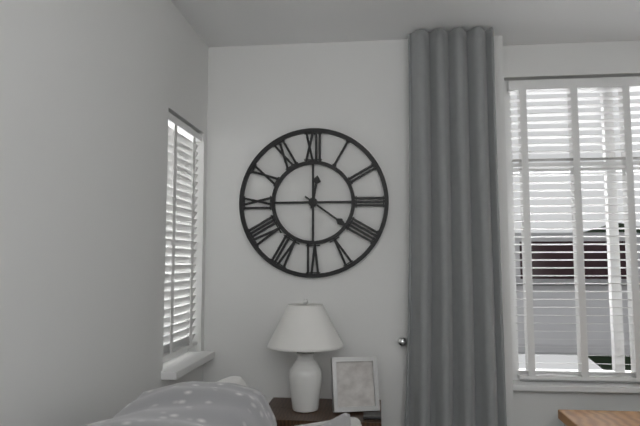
12h21
